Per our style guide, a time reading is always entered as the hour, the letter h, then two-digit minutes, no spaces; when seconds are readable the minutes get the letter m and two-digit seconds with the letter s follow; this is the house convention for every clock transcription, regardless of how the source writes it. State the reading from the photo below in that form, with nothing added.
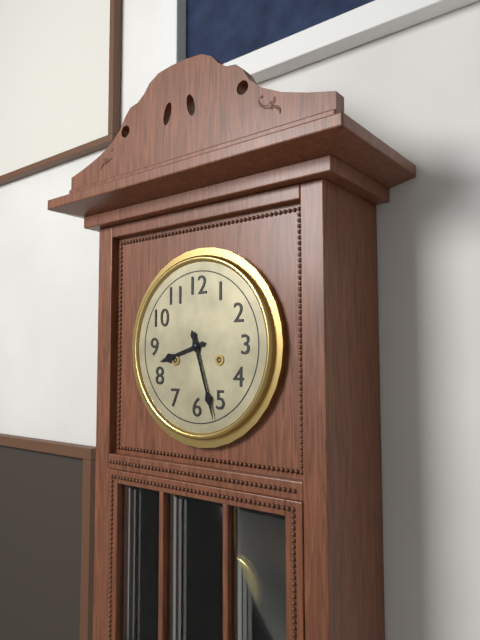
8h27
